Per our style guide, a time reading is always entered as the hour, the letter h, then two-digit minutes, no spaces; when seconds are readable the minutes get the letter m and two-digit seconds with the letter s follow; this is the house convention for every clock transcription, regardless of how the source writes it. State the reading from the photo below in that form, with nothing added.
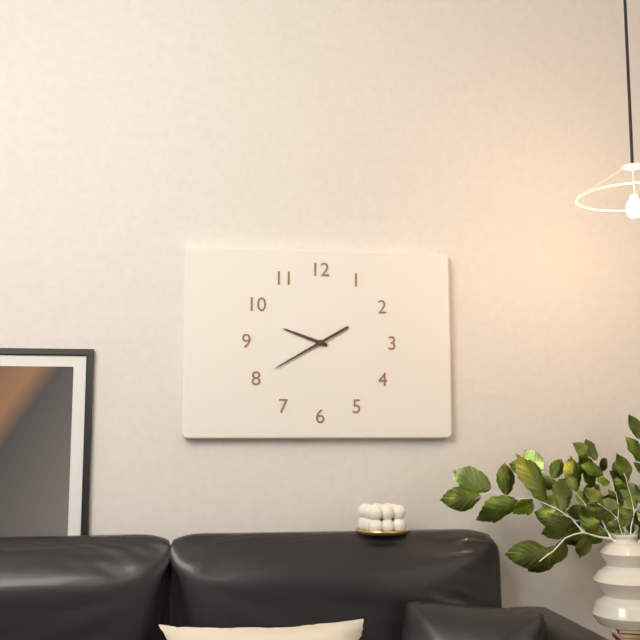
9h40
